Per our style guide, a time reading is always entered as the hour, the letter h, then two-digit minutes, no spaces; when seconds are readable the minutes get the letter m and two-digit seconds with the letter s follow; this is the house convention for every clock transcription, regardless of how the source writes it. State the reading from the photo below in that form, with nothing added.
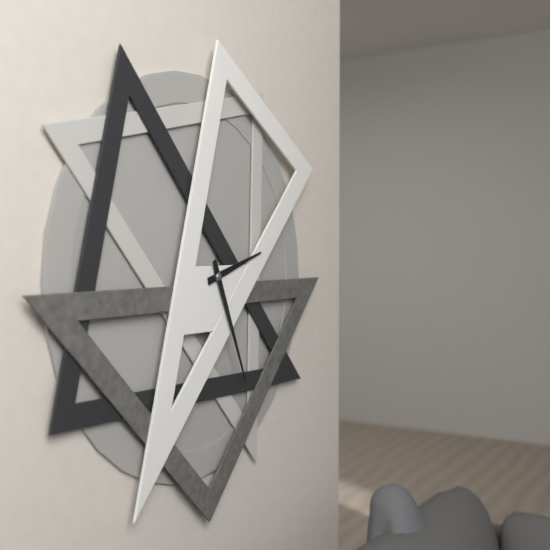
2h26
